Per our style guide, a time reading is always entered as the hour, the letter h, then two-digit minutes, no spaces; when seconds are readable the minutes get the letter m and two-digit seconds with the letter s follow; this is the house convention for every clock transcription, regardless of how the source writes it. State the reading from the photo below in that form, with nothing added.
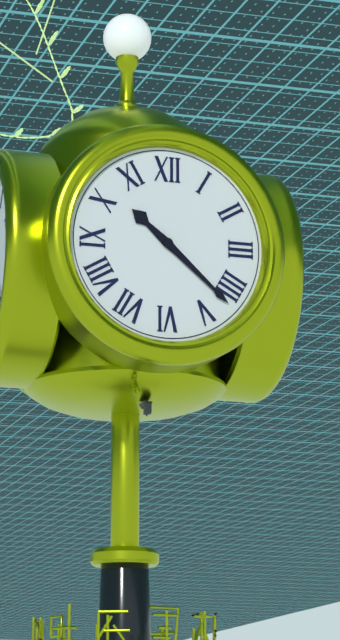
10h22
